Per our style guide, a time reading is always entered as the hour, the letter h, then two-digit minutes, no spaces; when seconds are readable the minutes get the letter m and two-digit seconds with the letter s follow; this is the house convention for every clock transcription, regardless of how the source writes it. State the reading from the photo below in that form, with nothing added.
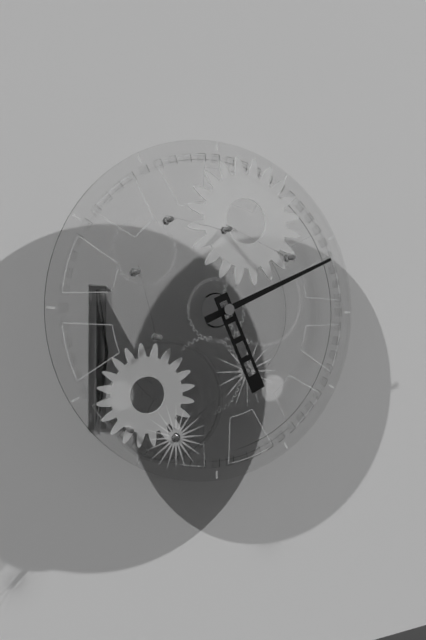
5h11
